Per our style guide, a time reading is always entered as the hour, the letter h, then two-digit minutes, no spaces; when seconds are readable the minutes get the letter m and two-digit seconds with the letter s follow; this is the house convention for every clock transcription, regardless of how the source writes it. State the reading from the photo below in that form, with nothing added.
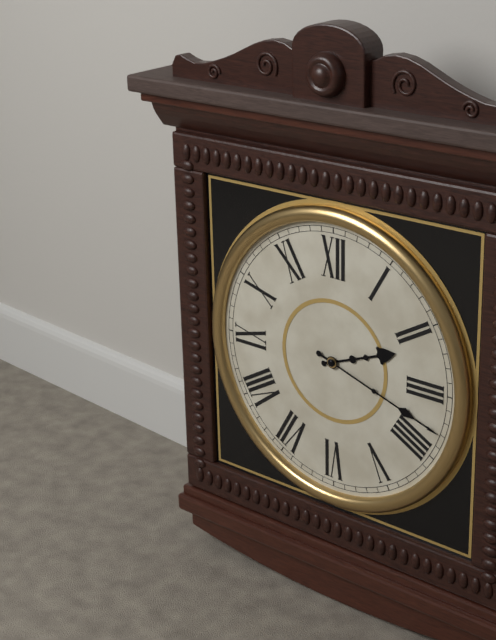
2h18
